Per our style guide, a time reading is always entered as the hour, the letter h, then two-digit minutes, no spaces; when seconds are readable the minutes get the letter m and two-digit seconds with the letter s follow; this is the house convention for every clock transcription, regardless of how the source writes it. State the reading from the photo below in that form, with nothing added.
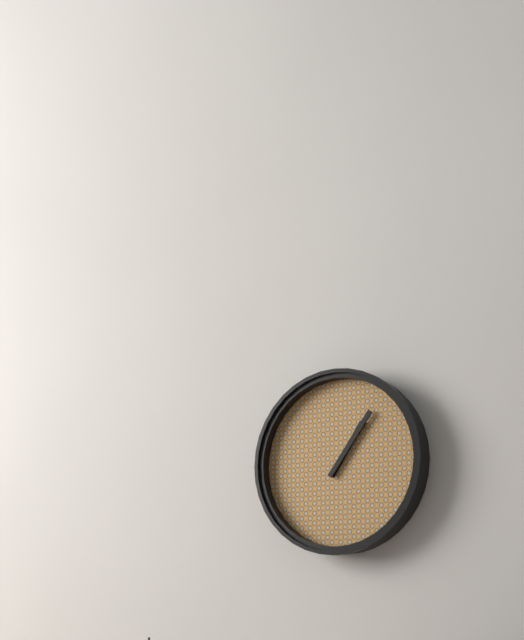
1h06
